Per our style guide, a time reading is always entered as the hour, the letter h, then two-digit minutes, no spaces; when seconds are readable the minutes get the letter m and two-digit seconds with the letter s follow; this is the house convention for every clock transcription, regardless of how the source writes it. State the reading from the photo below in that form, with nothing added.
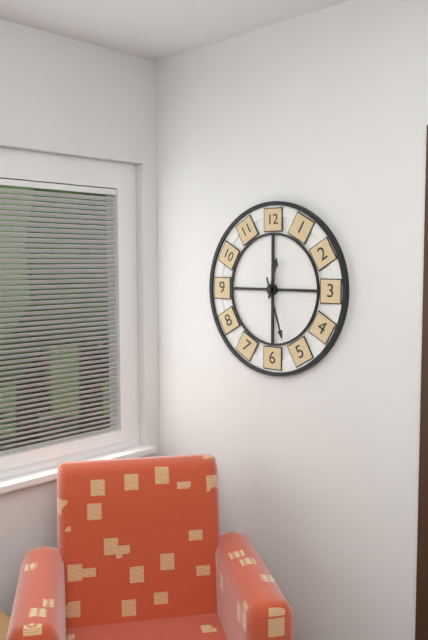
12h27
